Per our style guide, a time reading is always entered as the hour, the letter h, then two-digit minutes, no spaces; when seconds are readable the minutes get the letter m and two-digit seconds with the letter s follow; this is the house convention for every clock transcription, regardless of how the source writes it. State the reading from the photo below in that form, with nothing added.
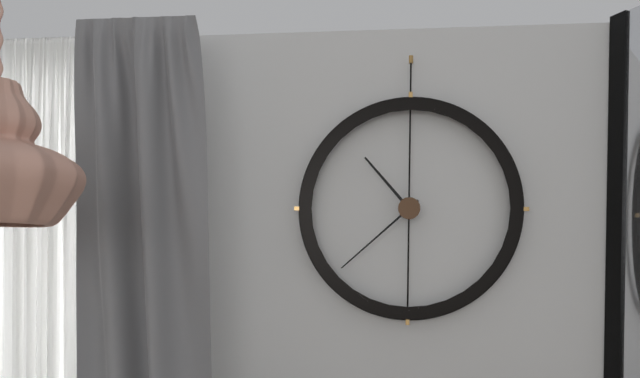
10h38
